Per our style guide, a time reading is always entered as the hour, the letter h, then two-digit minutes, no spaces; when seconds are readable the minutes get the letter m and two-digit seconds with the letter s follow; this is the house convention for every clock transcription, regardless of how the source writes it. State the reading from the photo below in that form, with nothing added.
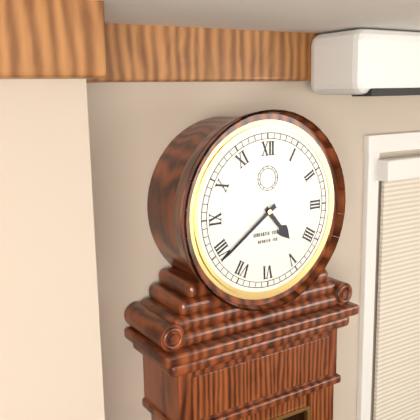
4h39
